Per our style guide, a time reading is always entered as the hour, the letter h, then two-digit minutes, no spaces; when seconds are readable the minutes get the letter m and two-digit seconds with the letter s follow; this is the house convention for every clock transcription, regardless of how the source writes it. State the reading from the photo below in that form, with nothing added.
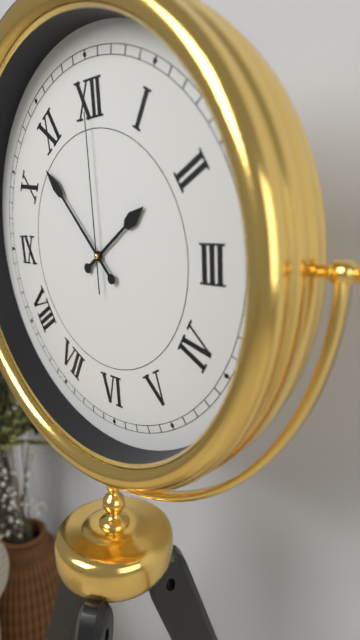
1h53m00s
